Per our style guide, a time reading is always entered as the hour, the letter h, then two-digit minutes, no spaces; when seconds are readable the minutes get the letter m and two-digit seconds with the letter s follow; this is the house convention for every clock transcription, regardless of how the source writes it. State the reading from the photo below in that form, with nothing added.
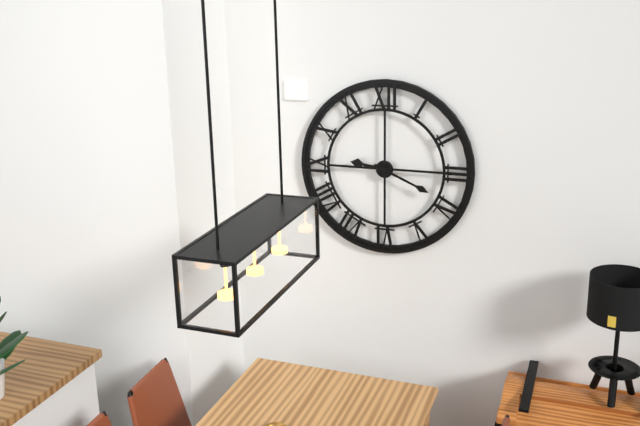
9h19
